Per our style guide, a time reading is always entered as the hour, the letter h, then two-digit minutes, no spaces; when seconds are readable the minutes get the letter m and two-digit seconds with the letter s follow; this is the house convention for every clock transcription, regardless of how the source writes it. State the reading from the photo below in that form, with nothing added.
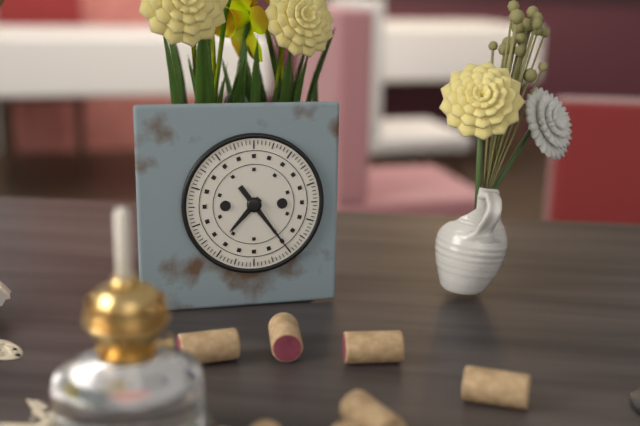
7h24
